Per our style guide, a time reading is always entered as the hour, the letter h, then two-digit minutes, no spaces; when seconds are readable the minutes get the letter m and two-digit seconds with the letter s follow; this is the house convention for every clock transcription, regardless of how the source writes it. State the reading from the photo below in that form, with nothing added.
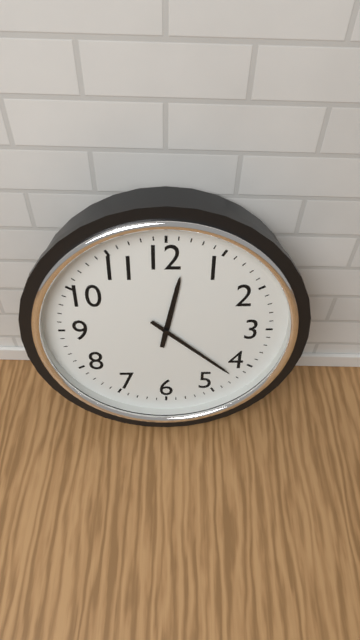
12h22
